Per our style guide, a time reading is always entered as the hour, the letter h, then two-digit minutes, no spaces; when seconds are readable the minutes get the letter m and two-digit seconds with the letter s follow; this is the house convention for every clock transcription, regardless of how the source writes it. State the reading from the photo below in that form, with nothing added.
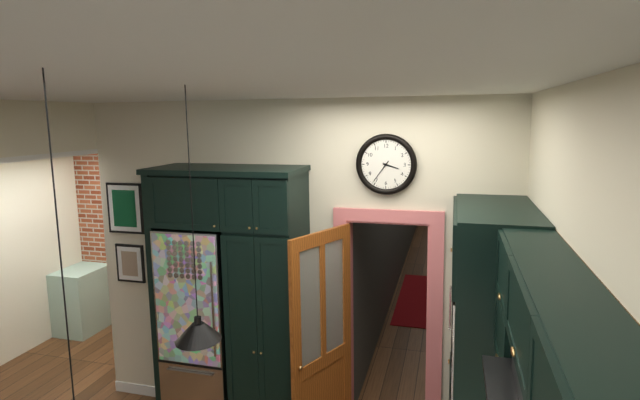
3h36
